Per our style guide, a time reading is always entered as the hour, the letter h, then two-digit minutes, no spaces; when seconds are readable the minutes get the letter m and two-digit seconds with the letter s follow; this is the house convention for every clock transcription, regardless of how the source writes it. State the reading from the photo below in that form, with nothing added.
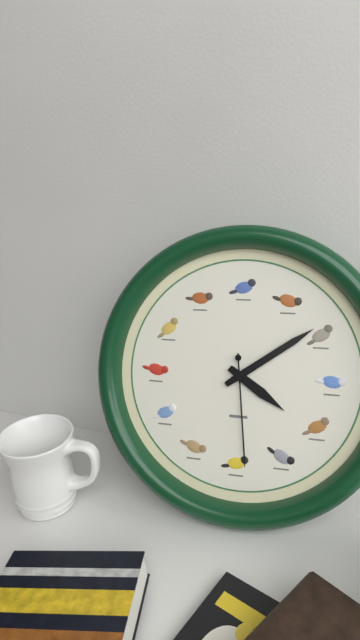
4h09m29s
